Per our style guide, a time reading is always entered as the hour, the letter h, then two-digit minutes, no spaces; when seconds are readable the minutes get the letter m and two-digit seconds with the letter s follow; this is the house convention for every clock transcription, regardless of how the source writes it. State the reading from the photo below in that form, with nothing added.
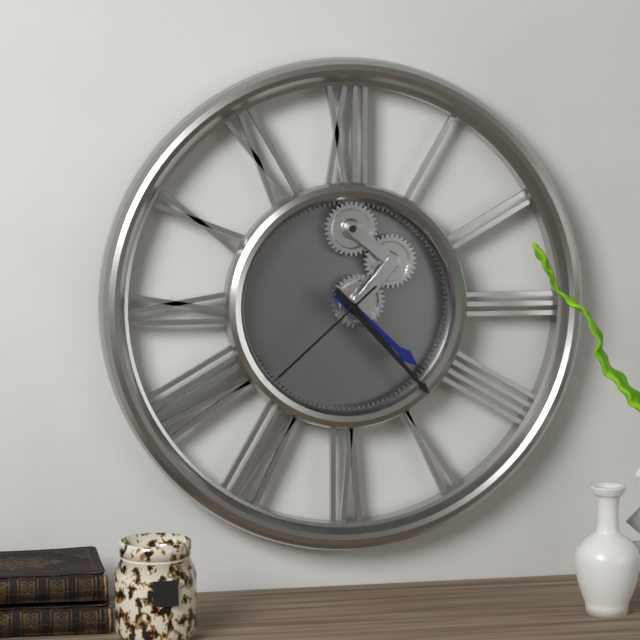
4h23m38s
